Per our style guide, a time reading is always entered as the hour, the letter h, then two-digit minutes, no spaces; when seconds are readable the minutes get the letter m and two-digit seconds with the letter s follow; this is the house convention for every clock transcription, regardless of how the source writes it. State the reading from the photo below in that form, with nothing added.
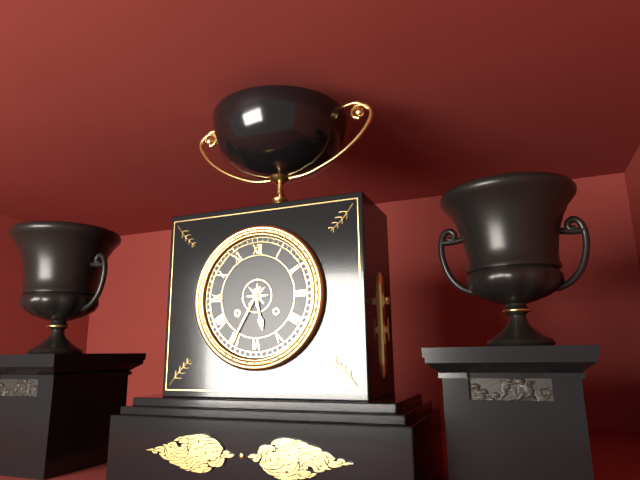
5h35
